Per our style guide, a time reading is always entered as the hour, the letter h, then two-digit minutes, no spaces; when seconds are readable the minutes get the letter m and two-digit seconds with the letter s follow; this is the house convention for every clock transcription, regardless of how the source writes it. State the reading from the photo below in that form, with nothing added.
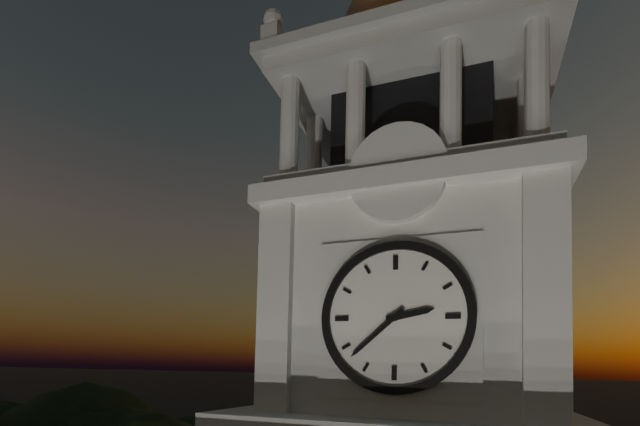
2h38
